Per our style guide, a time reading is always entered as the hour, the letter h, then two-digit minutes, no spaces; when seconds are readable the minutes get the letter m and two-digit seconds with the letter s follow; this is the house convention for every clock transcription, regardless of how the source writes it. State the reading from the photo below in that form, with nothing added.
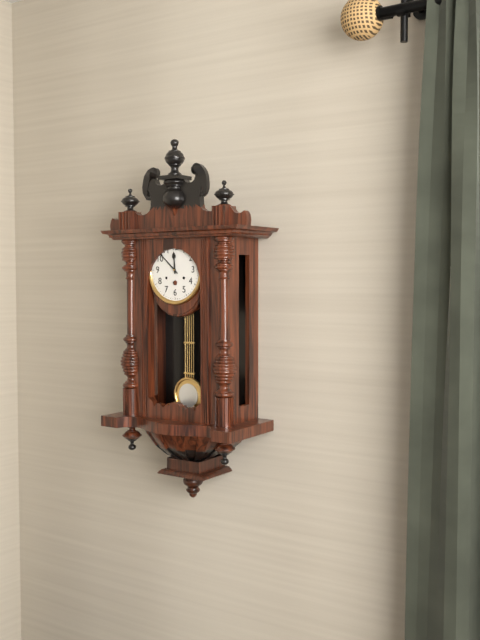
11h52
